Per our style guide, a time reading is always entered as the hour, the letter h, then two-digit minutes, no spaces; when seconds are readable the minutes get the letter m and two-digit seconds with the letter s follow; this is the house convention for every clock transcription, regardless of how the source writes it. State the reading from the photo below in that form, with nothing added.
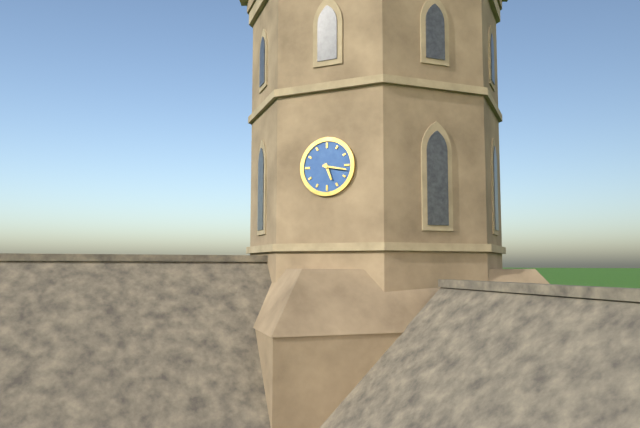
5h17
